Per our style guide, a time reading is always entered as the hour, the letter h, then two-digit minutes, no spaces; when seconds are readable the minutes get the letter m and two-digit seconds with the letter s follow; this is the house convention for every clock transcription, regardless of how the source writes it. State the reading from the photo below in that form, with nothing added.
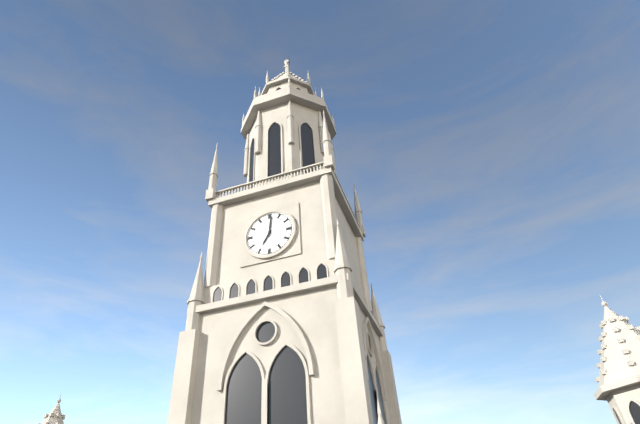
7h01
